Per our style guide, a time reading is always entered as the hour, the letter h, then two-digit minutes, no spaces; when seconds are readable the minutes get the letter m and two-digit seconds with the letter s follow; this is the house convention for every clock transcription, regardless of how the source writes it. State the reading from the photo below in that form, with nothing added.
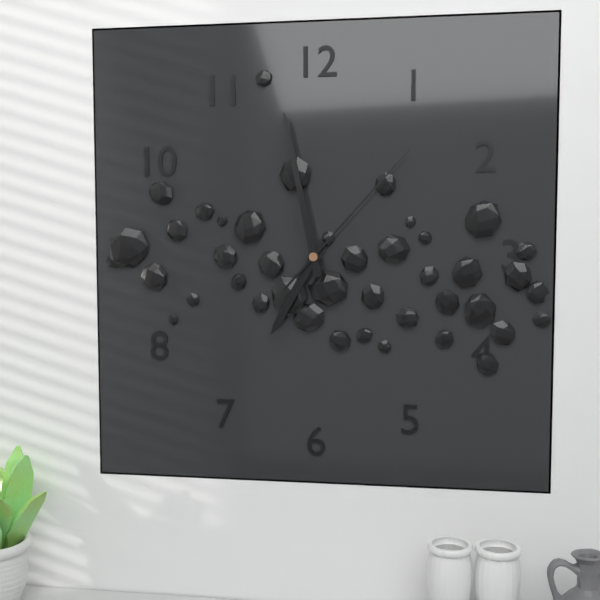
6h58m07s
